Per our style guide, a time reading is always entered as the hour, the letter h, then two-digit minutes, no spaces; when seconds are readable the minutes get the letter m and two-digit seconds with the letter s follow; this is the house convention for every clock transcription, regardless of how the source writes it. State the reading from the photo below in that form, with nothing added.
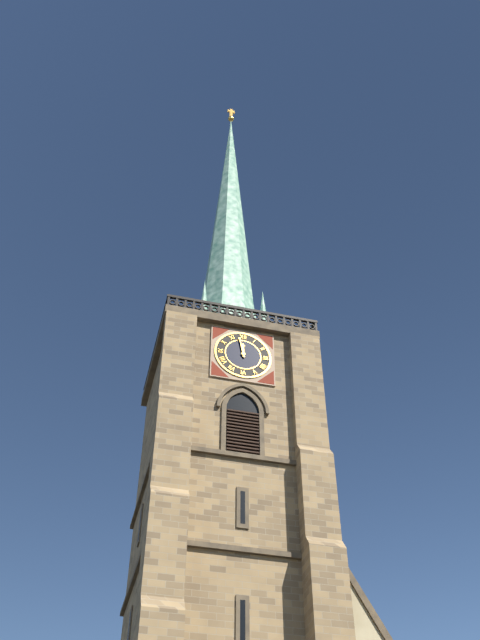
11h58
